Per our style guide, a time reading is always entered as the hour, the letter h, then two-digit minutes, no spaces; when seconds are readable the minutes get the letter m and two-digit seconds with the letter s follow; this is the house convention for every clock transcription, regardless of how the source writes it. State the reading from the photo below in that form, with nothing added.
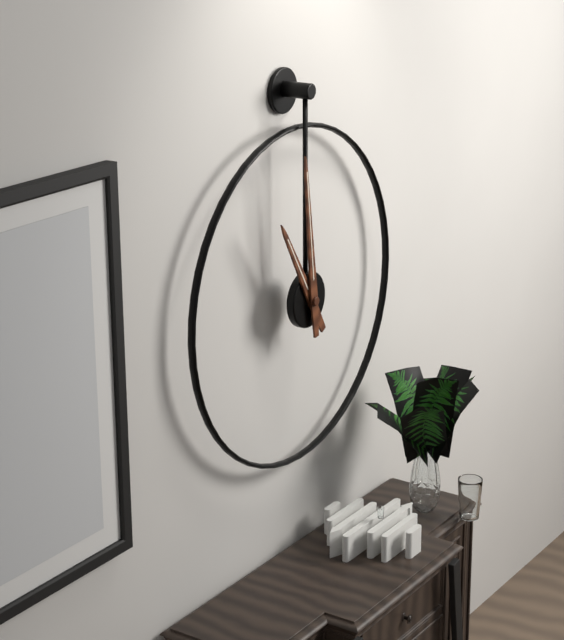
10h59
